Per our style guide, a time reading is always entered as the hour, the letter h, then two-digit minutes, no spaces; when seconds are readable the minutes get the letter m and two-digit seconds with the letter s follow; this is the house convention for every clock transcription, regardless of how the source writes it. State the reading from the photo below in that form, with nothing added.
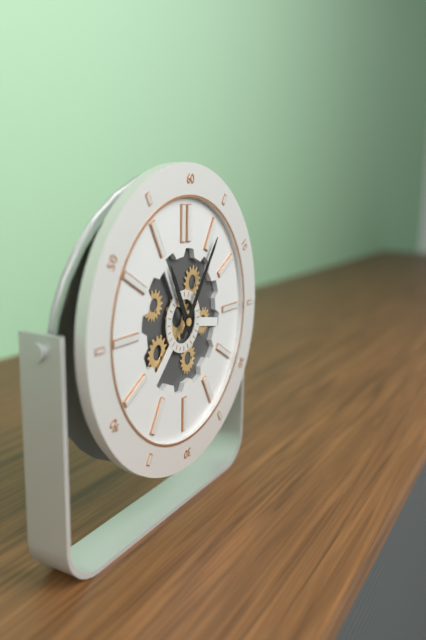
11h06
